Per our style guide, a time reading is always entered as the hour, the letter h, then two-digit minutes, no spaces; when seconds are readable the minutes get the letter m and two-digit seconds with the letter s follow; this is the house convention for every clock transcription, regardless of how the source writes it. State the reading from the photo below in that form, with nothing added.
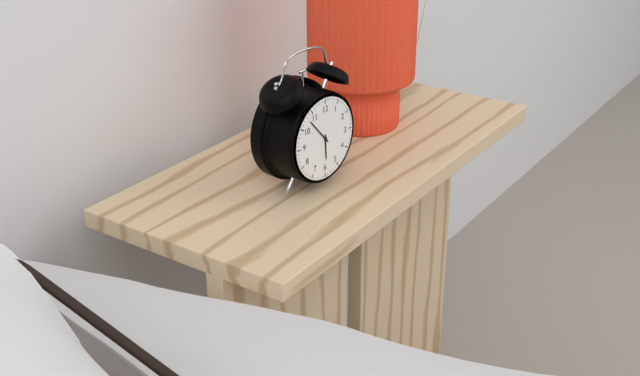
5h53
